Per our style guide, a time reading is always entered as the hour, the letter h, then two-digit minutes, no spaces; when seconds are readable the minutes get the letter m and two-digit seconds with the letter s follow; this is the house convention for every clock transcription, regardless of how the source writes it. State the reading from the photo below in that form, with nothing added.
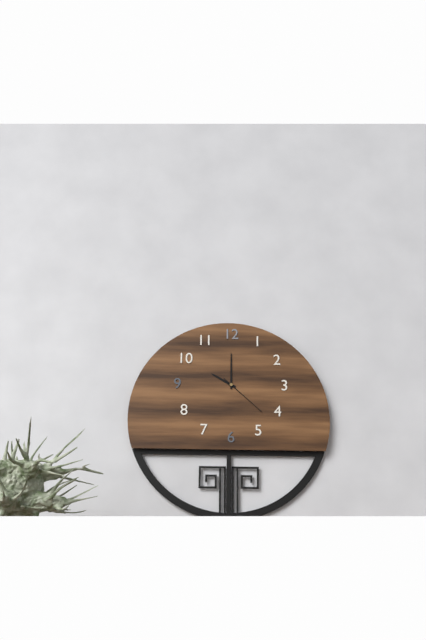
10h00m22s
